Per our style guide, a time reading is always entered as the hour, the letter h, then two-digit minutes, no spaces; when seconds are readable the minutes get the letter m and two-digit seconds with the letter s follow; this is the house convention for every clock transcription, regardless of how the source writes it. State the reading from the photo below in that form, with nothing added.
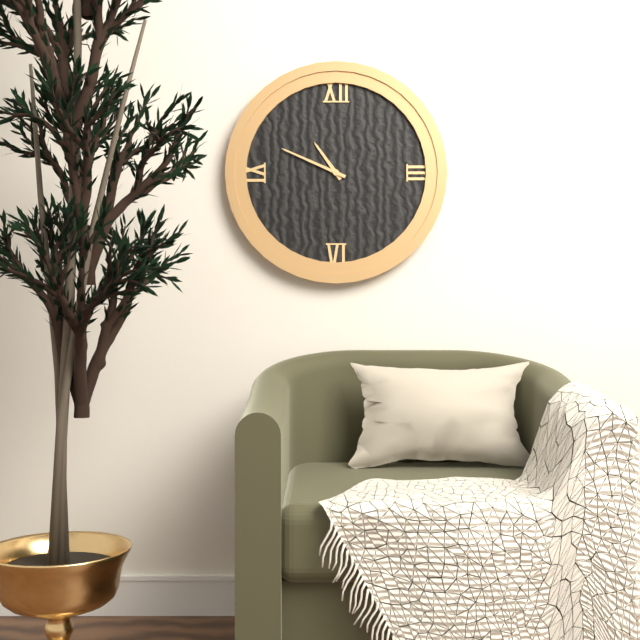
10h49
